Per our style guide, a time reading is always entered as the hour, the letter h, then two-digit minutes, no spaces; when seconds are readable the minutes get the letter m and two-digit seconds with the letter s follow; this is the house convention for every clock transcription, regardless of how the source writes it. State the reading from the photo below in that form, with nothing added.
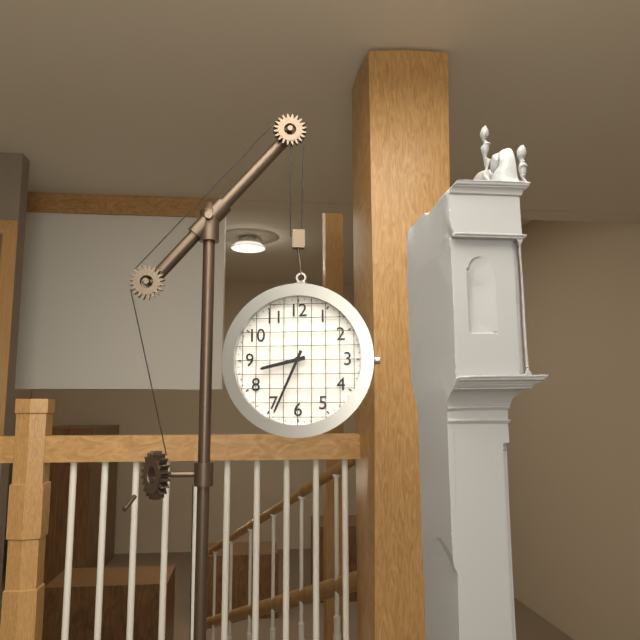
8h34
